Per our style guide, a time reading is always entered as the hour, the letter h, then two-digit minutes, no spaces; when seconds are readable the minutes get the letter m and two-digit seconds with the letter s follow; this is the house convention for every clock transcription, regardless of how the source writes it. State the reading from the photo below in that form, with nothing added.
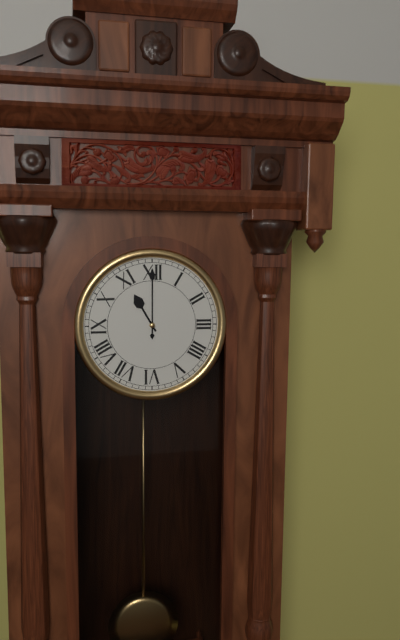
11h00
